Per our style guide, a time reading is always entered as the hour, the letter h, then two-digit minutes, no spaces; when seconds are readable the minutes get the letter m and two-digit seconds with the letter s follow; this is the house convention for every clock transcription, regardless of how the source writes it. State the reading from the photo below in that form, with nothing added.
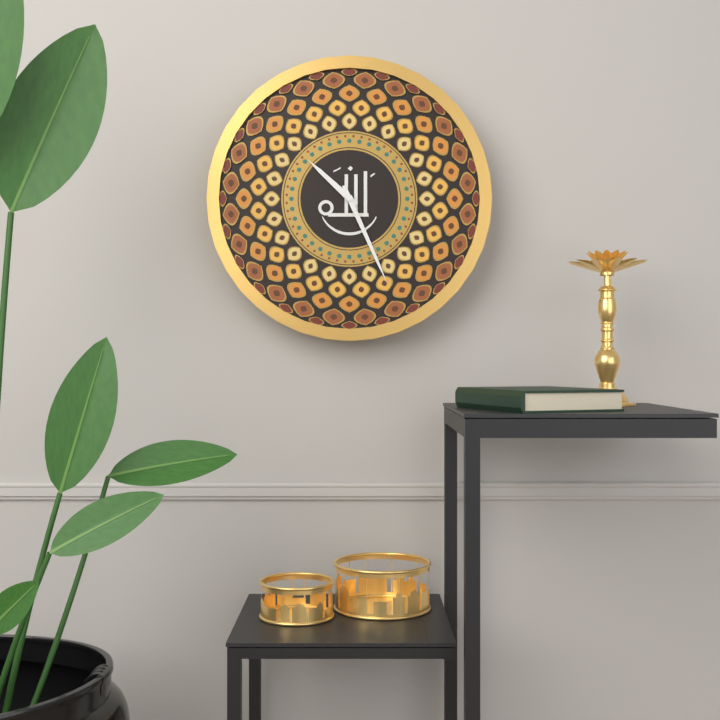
10h26
